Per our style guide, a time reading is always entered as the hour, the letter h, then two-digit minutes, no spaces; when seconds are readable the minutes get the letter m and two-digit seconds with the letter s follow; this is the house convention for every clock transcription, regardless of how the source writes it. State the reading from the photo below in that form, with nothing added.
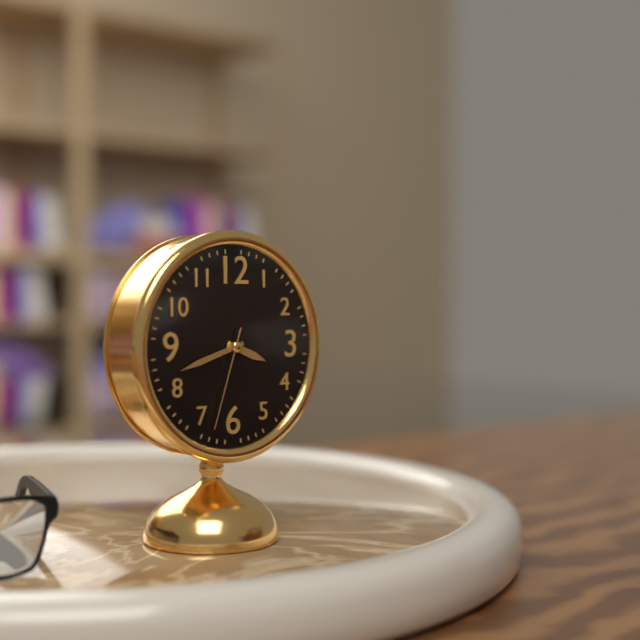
3h42m33s
